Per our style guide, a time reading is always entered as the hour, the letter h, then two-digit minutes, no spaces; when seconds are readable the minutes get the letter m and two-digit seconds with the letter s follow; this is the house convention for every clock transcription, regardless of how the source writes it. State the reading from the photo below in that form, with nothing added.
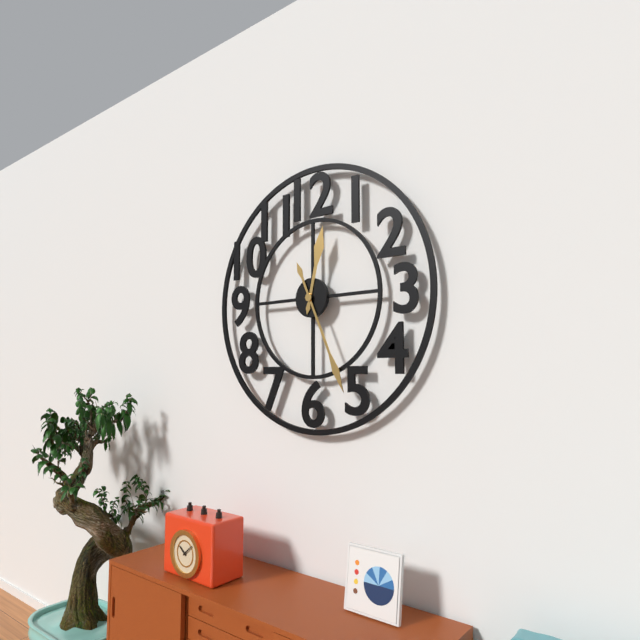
12h26
